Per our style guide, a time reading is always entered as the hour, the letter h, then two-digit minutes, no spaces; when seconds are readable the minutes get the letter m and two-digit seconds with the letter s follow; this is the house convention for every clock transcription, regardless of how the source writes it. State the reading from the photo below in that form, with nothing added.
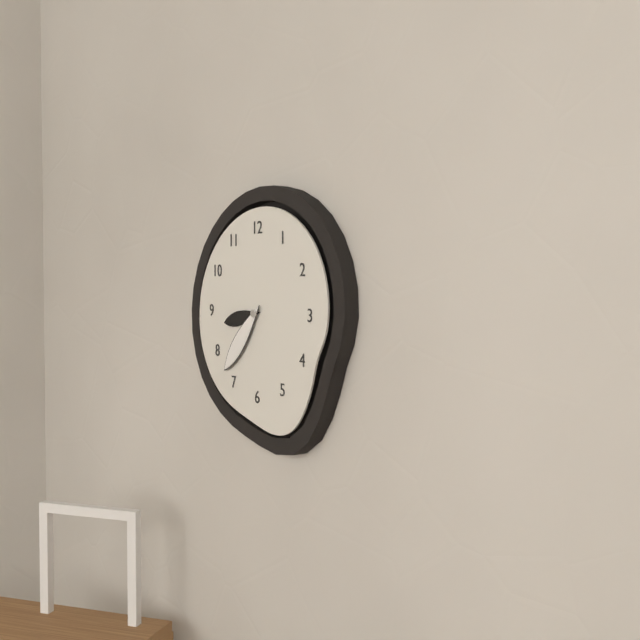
8h37
